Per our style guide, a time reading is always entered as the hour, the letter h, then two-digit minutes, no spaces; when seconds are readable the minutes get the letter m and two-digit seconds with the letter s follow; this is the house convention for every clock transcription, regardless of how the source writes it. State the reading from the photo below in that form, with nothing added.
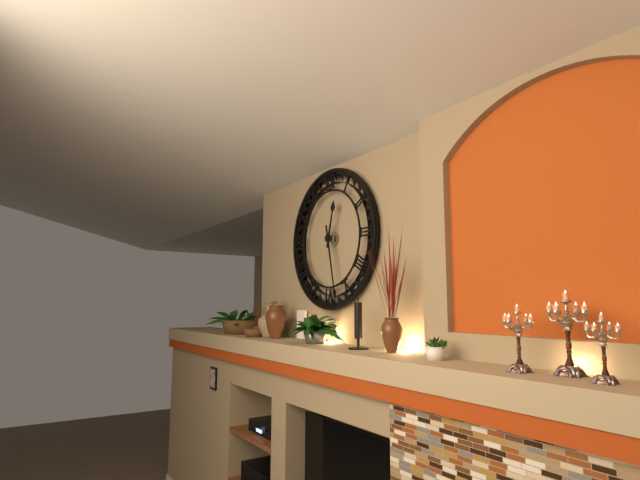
12h28
